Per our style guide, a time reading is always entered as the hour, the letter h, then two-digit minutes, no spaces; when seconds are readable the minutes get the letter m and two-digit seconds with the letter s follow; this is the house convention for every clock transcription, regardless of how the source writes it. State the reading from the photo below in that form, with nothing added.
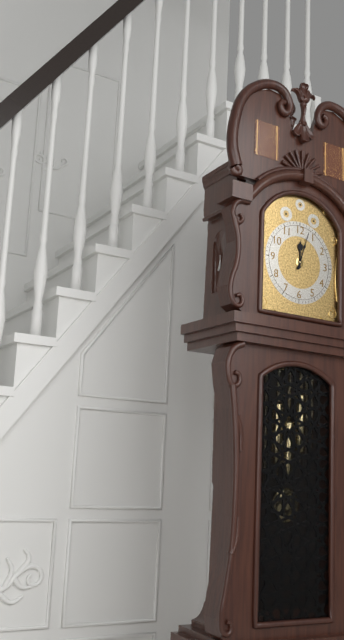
12h03
